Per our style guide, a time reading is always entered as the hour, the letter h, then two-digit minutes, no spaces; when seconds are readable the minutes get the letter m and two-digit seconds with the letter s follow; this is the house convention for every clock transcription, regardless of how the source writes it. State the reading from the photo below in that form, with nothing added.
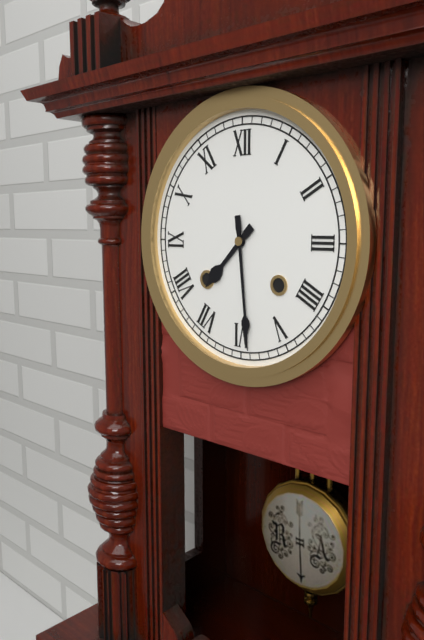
7h29
